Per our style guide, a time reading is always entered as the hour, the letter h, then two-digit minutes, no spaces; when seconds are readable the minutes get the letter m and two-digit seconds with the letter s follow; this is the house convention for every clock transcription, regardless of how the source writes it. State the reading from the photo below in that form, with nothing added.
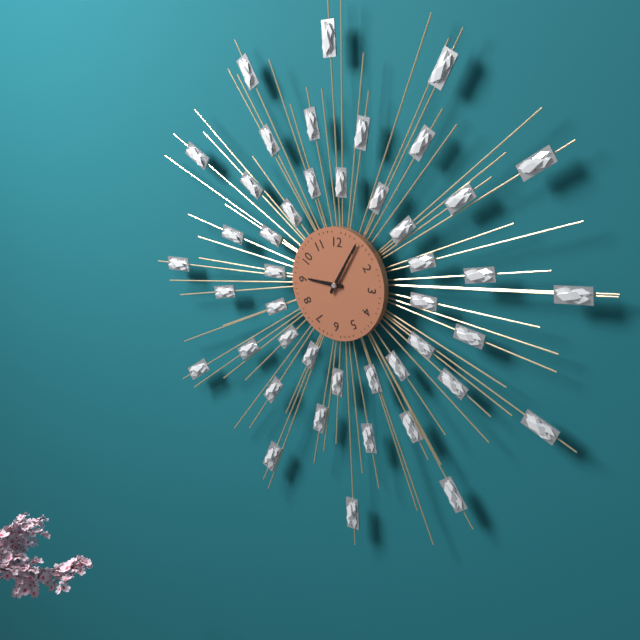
9h05
